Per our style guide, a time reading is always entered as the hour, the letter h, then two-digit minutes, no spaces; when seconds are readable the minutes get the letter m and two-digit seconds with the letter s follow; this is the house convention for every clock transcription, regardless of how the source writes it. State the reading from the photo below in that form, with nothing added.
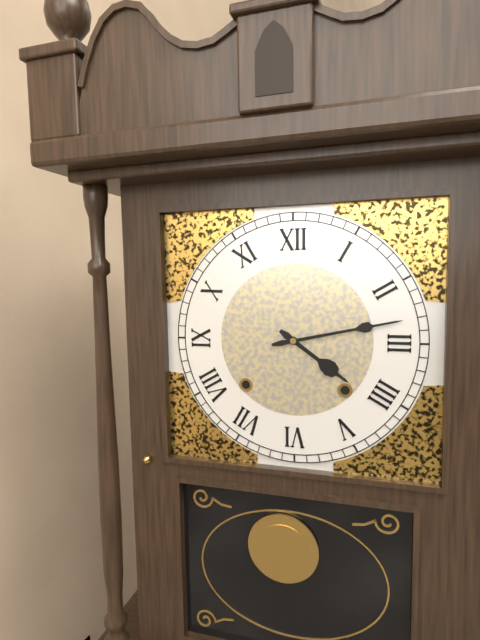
4h13
